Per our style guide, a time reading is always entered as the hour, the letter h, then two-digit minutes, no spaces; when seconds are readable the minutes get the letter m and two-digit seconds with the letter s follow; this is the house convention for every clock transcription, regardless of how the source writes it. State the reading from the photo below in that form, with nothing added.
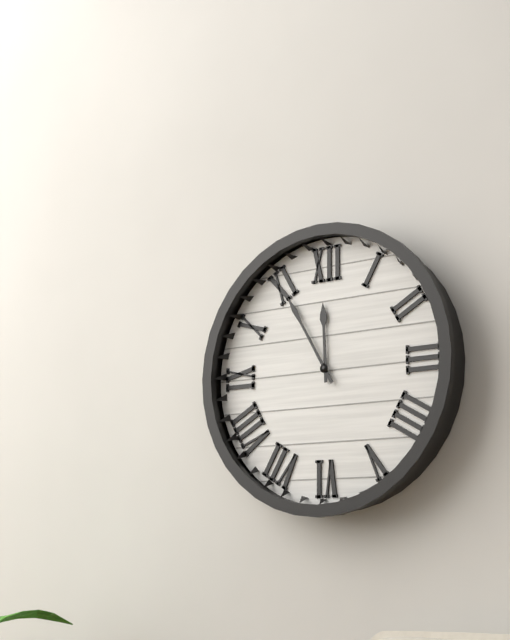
11h55
